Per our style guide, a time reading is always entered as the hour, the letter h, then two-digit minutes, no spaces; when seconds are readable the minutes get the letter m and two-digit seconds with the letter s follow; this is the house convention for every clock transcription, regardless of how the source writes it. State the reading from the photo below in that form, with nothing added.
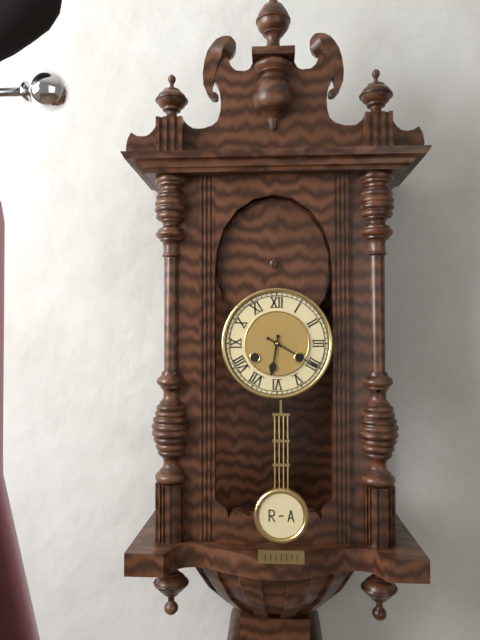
6h20
